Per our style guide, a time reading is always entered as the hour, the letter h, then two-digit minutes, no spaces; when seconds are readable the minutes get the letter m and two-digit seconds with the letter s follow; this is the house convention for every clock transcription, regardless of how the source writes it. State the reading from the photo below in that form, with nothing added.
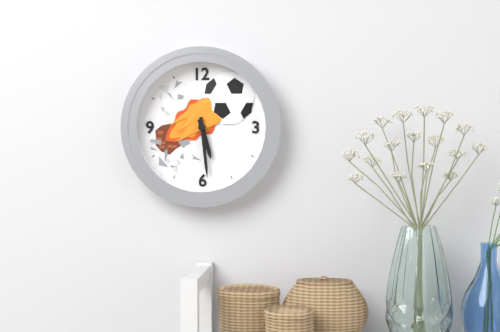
5h29
